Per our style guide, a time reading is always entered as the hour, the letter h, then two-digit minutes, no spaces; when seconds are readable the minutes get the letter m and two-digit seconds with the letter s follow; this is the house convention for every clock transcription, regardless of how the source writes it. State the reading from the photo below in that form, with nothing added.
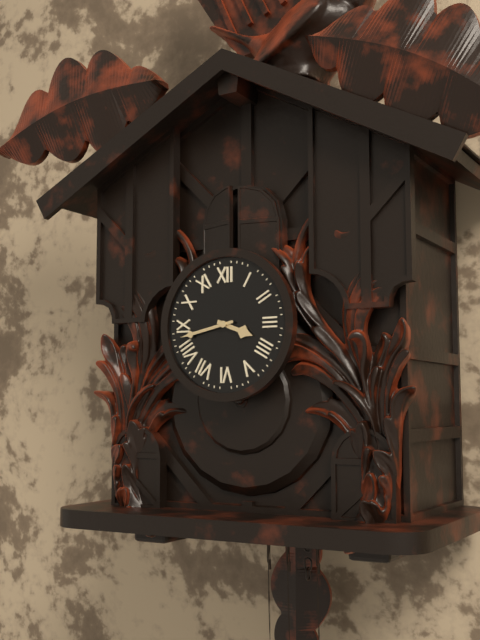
3h43
